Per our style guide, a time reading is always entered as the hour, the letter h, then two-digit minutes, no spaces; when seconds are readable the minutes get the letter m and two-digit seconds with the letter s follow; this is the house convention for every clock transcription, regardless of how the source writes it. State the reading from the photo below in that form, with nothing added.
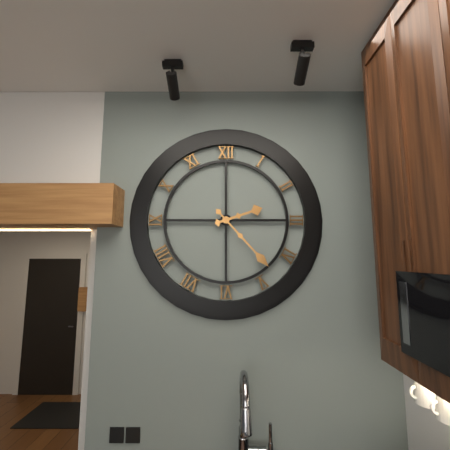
2h23
